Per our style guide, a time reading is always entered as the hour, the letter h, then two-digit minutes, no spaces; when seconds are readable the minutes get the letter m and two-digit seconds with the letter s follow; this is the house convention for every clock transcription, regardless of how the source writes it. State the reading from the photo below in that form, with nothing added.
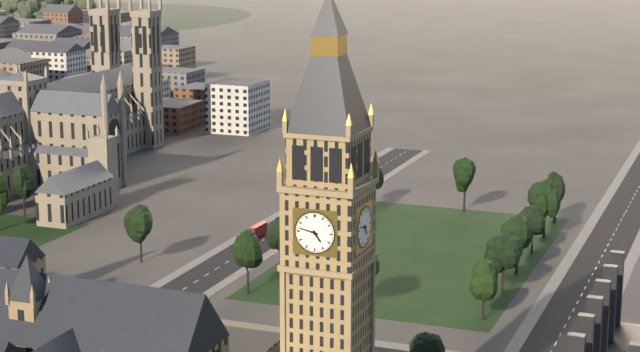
4h47
